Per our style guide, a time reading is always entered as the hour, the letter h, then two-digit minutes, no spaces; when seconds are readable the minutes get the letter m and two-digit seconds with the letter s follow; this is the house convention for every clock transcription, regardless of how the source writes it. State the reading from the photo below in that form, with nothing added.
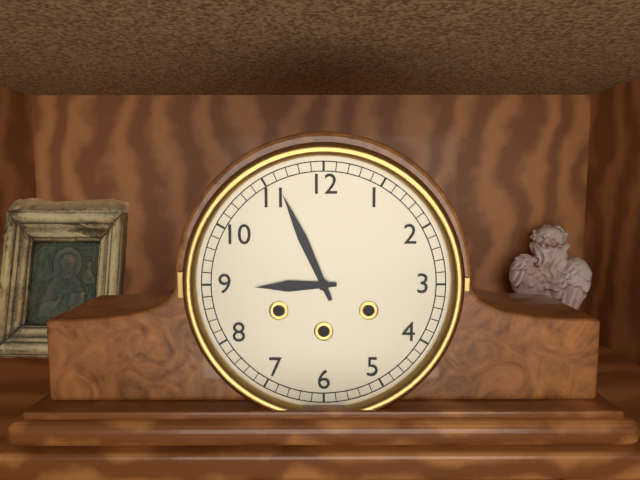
8h56
